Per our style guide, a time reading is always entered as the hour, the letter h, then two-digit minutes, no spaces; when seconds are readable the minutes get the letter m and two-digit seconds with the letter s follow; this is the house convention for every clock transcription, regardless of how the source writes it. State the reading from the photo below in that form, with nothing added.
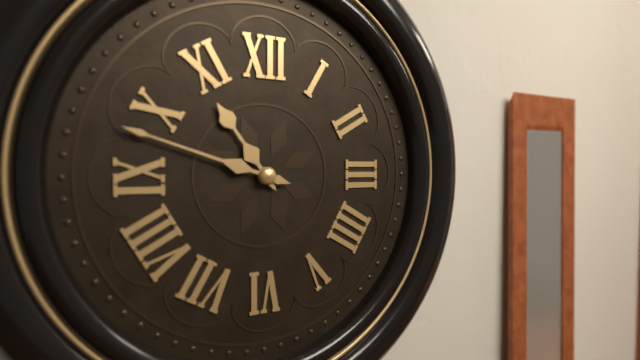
10h48
